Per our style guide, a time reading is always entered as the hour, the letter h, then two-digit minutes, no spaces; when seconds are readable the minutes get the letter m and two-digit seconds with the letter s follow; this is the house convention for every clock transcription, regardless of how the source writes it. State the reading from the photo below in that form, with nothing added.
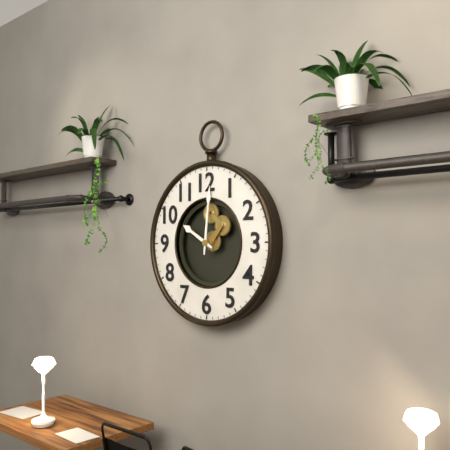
10h01
